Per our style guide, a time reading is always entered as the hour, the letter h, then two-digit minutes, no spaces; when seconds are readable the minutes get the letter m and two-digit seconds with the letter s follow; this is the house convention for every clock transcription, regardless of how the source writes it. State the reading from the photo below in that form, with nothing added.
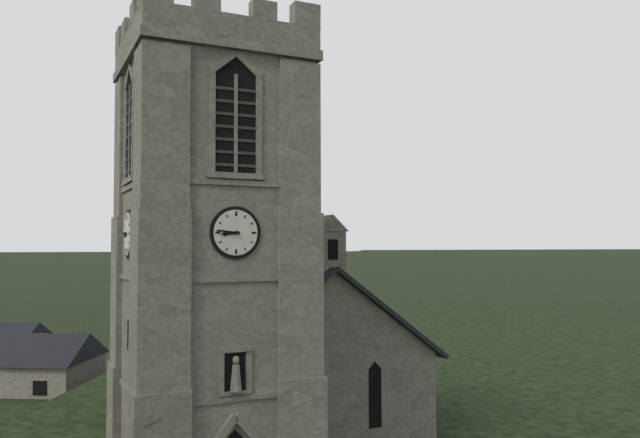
8h46
